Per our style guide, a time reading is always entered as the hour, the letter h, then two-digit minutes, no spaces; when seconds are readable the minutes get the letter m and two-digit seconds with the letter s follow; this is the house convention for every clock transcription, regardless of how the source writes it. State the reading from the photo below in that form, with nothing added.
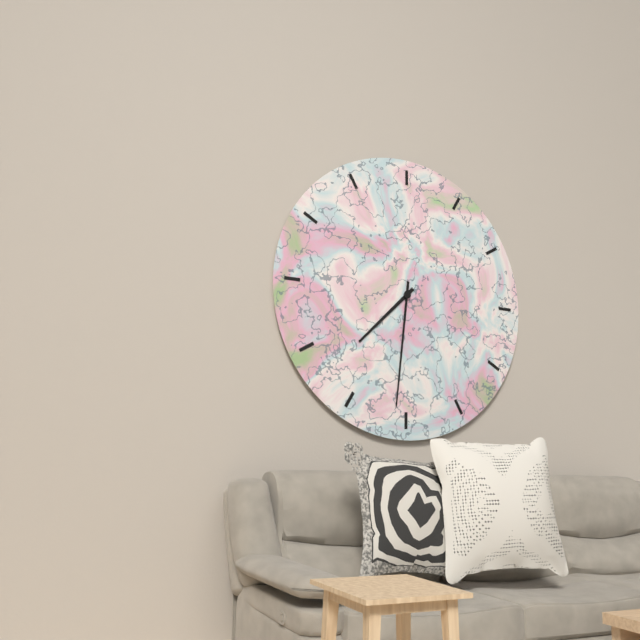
7h31
